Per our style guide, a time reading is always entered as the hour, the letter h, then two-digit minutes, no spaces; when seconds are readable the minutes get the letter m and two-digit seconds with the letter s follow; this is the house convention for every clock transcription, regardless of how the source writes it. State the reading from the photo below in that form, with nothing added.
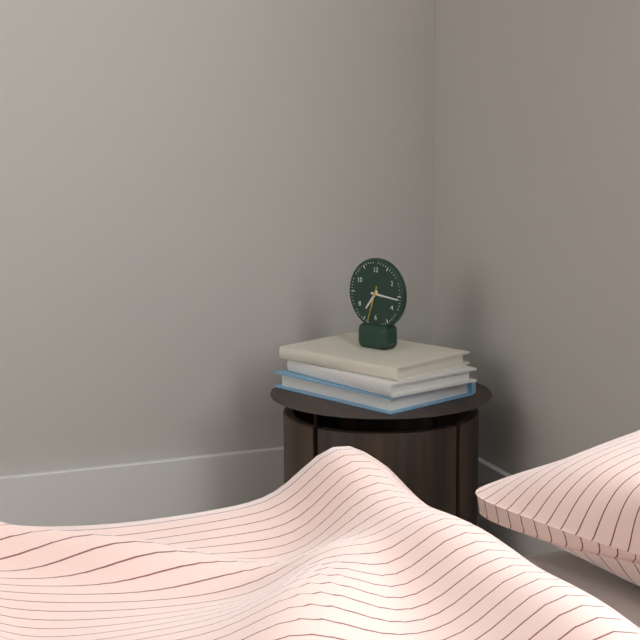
7h16
